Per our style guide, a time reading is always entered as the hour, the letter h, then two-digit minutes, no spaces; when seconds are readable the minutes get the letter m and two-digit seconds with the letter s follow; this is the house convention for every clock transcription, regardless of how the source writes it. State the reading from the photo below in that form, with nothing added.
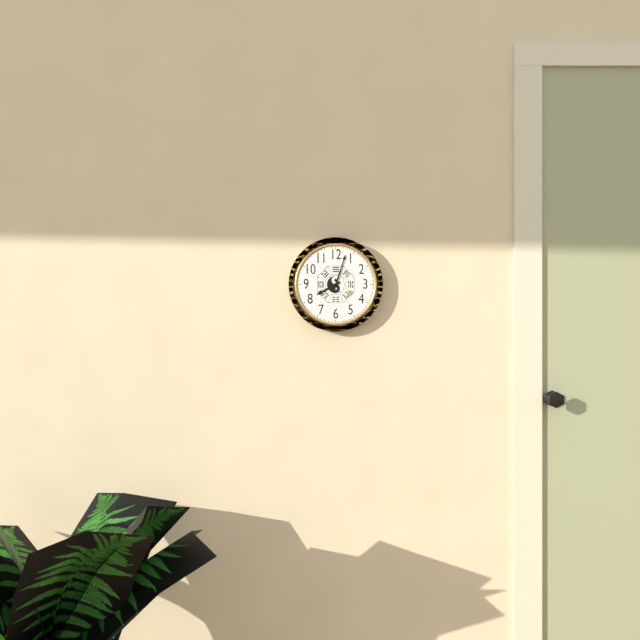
8h03
